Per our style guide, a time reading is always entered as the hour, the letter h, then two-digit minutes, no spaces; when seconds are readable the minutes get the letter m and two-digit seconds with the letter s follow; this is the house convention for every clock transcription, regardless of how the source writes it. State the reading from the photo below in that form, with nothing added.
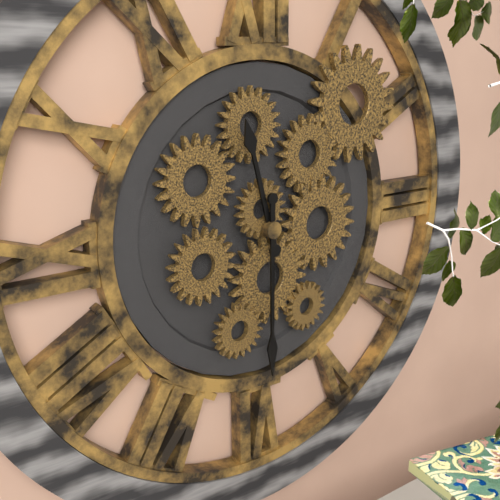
11h30
